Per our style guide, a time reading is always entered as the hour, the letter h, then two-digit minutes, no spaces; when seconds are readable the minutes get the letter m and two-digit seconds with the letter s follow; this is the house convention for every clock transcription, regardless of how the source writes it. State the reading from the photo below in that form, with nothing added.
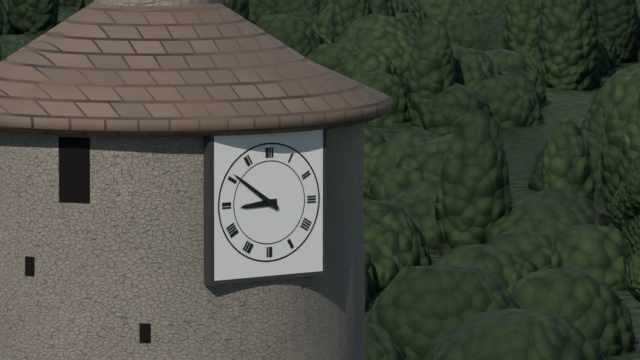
8h51
